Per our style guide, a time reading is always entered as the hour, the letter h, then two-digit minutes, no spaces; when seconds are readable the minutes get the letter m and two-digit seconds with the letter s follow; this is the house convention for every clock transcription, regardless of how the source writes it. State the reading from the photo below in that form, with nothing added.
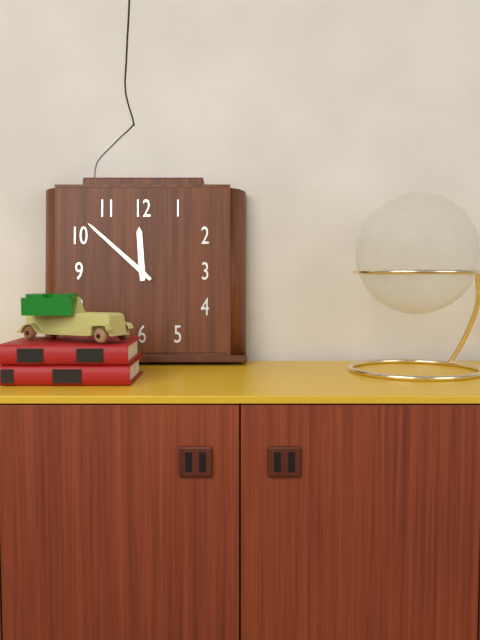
11h52
